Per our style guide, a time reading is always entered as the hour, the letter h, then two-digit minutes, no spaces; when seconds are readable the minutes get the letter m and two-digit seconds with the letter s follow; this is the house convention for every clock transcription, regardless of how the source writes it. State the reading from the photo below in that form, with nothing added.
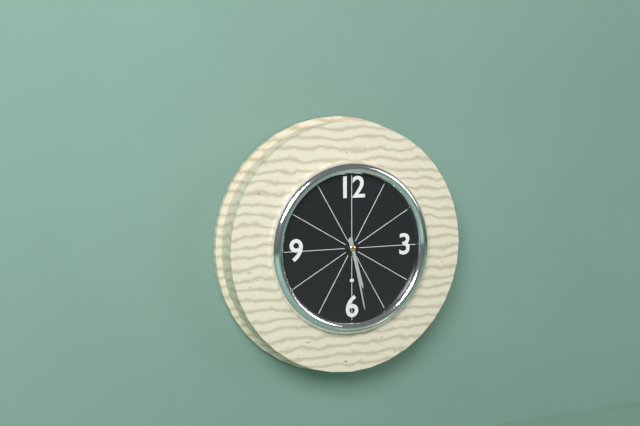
5h28
